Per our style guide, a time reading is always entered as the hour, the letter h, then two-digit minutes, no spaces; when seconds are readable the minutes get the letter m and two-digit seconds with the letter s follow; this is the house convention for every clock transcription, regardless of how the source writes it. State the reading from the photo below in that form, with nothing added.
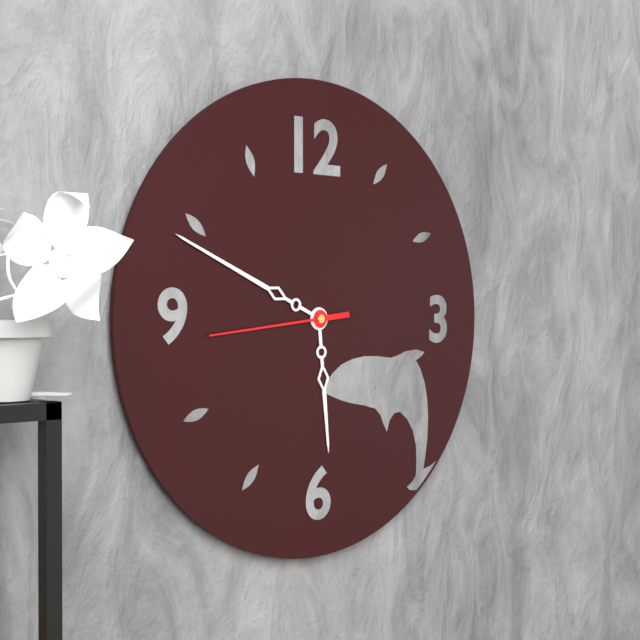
5h49m44s
